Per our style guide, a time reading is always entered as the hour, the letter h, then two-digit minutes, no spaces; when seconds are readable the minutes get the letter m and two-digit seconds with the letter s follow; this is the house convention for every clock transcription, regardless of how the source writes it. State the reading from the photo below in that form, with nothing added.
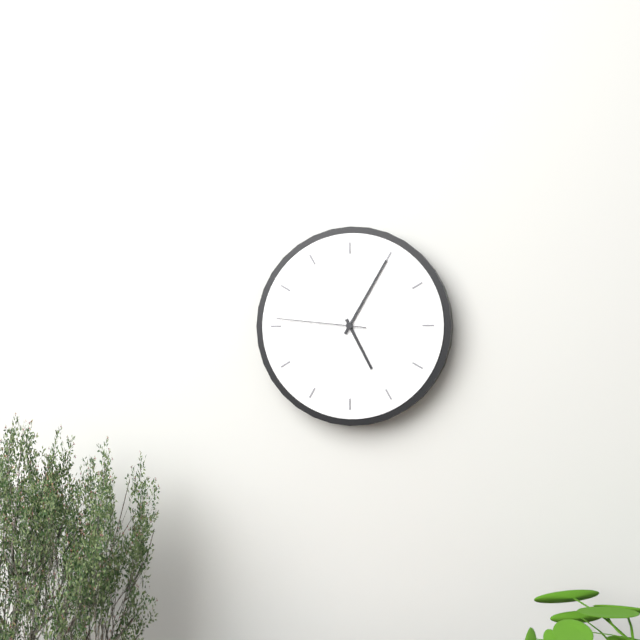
5h05m46s
